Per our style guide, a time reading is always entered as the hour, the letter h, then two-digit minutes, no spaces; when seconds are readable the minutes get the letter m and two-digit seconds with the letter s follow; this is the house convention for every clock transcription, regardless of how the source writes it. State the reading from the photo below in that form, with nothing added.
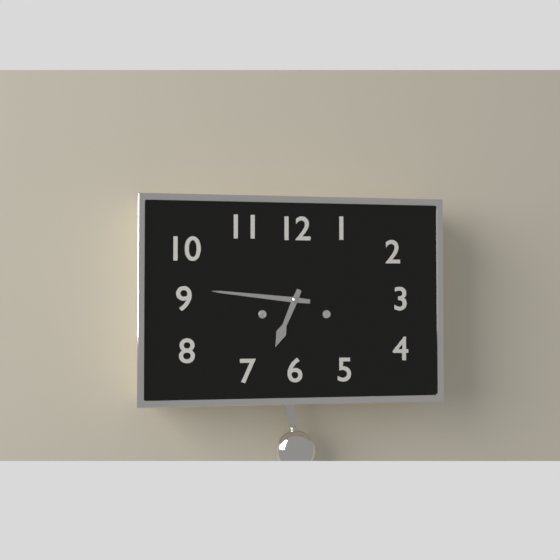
6h46
